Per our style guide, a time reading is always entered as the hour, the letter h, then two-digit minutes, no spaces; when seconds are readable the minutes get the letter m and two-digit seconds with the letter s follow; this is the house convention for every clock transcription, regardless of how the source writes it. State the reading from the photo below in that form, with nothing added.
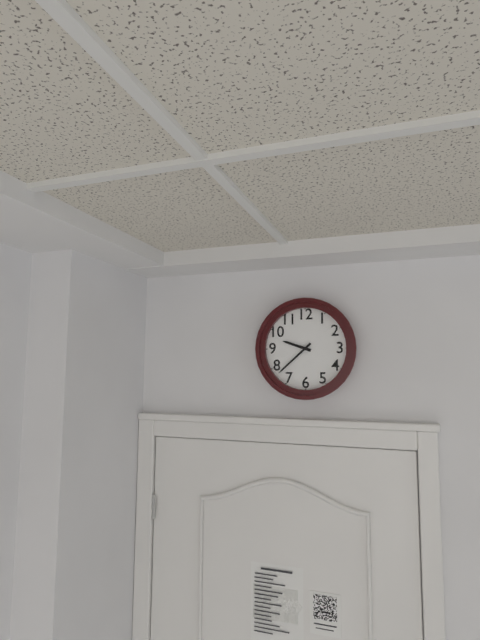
9h38
